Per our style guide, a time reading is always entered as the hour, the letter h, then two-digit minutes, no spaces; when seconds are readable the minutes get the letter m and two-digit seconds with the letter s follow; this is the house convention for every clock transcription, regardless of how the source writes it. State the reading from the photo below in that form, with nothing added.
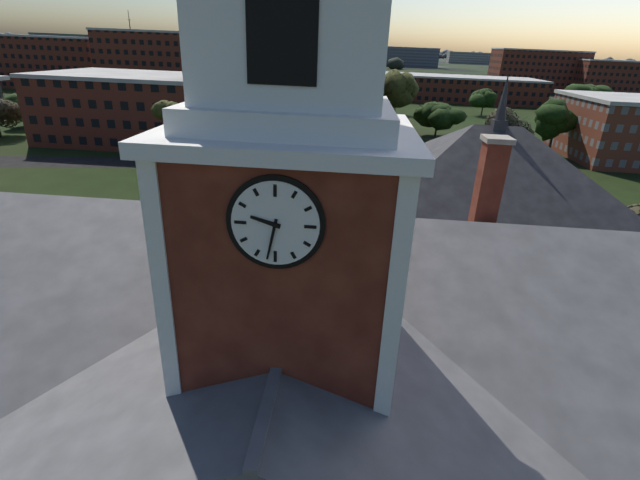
9h32
